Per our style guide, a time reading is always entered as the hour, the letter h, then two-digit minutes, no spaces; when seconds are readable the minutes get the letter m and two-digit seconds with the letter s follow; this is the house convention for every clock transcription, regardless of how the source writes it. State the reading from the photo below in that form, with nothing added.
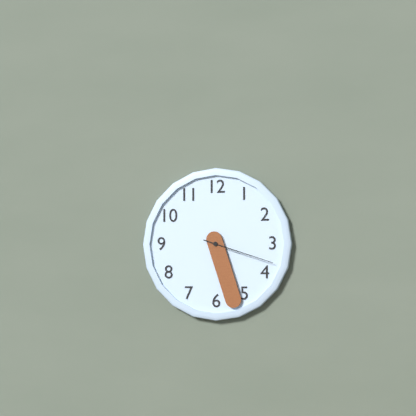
5h27m18s
